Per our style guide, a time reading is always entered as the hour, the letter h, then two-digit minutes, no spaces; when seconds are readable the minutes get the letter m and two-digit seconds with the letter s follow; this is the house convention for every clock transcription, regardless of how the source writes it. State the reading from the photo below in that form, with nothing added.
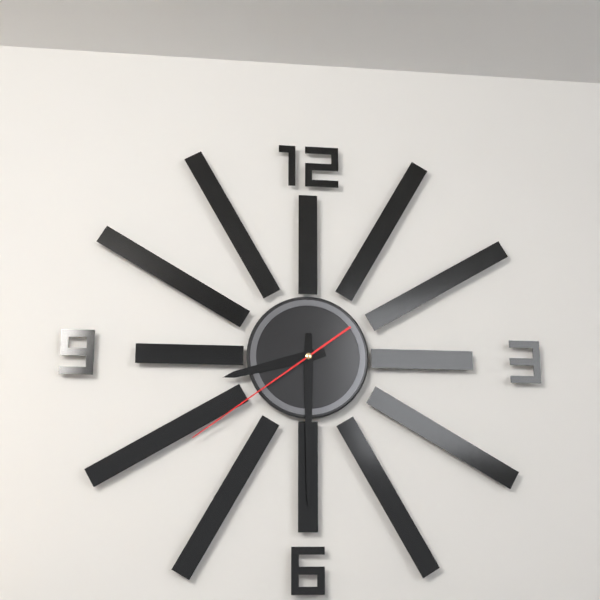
8h30m39s
